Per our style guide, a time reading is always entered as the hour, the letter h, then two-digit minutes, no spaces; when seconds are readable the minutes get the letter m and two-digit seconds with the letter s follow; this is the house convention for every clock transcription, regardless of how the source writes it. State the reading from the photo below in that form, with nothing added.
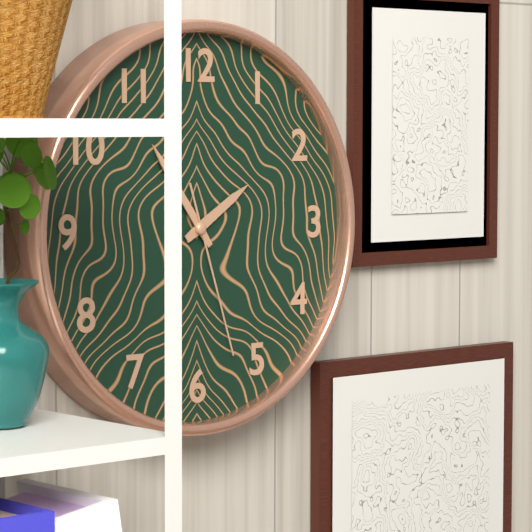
1h54m27s
